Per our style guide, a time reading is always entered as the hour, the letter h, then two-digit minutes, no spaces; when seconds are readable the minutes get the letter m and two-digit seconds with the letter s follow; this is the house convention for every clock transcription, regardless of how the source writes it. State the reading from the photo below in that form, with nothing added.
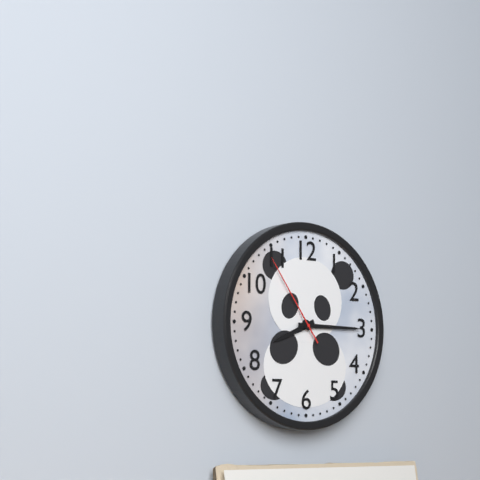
8h15m54s
